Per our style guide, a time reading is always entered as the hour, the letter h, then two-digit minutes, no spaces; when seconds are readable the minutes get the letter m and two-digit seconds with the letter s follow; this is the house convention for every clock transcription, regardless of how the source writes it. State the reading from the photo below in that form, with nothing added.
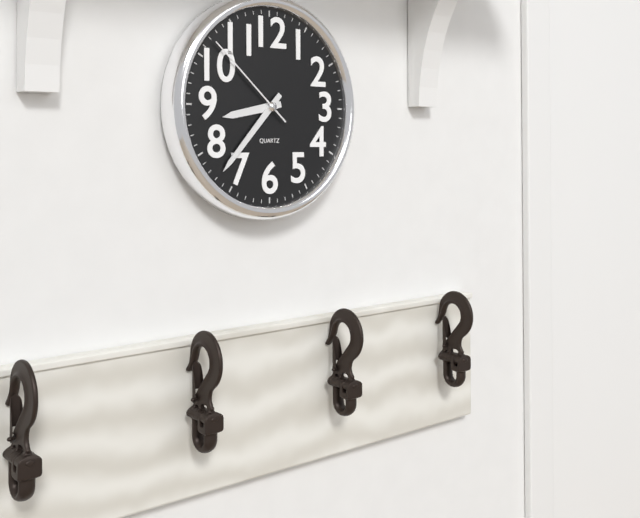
8h37m52s
